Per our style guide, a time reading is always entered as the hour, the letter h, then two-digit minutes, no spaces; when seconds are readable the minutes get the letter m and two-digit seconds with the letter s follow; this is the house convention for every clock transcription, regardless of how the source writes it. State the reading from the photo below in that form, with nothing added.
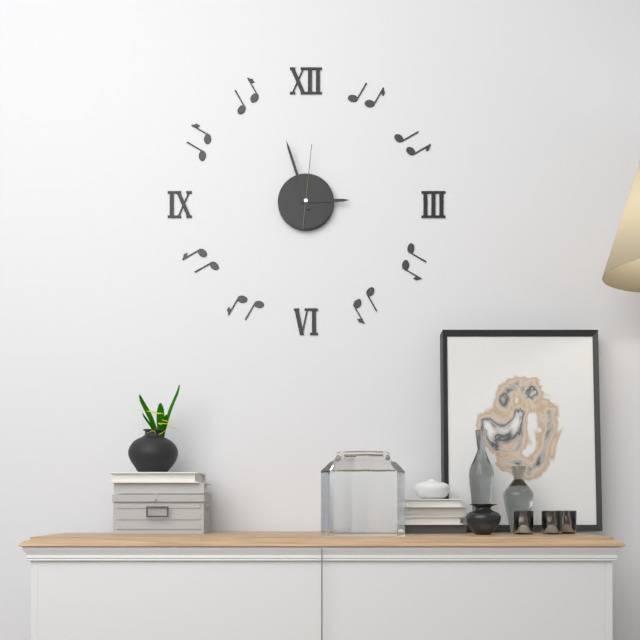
2h57m01s
